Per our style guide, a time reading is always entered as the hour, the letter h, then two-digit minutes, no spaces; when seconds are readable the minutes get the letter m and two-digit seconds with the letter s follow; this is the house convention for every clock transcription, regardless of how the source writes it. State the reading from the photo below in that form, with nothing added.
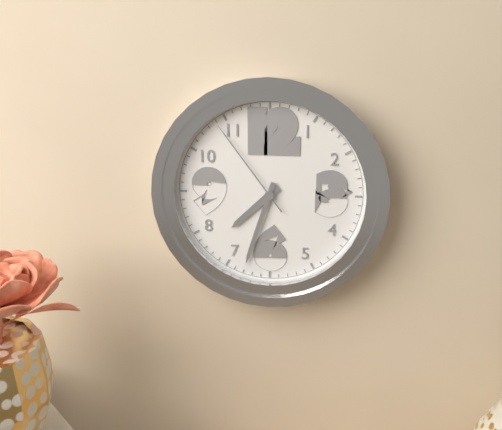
7h33m54s
